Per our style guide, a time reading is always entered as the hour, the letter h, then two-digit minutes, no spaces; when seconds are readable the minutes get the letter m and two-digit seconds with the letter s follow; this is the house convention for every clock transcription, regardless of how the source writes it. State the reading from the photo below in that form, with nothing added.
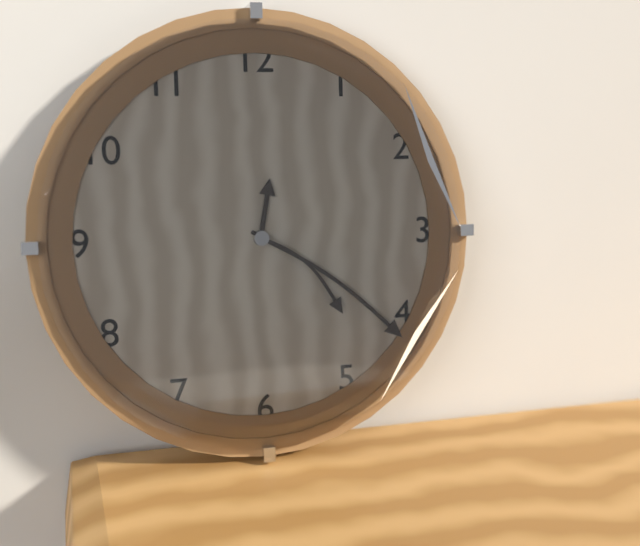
12h21m22s
